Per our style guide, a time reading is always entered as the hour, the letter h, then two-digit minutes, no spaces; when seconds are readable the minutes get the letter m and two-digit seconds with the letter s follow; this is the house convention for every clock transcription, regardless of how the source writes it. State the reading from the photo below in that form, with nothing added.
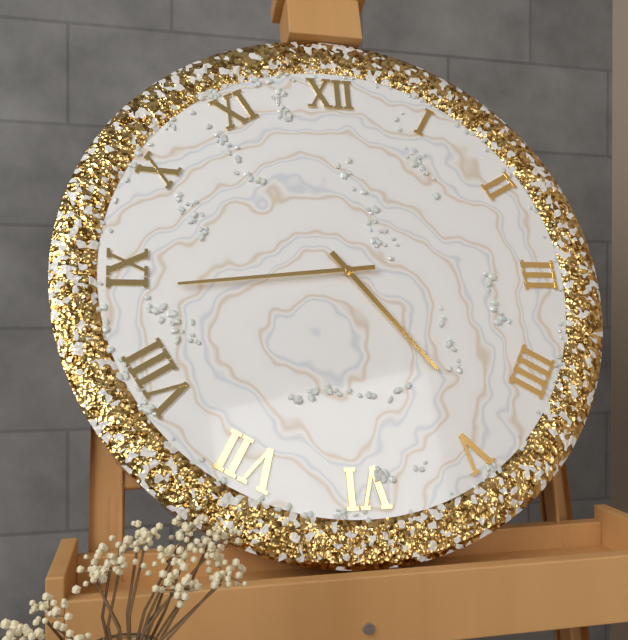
4h44
